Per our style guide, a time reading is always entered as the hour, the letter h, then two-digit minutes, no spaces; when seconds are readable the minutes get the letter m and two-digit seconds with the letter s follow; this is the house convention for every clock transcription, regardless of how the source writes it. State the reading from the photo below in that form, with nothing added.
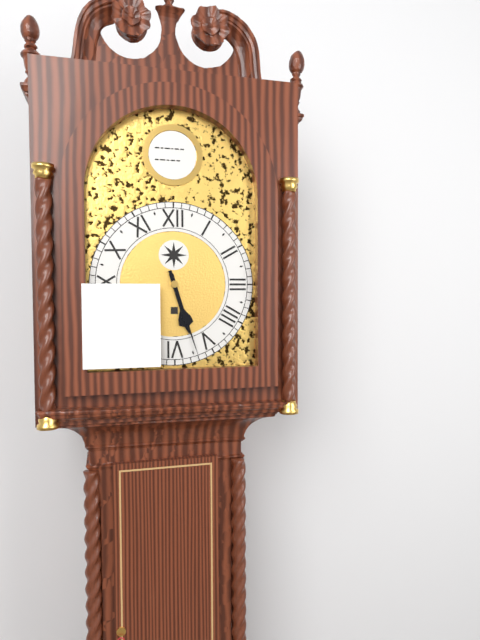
5h27
